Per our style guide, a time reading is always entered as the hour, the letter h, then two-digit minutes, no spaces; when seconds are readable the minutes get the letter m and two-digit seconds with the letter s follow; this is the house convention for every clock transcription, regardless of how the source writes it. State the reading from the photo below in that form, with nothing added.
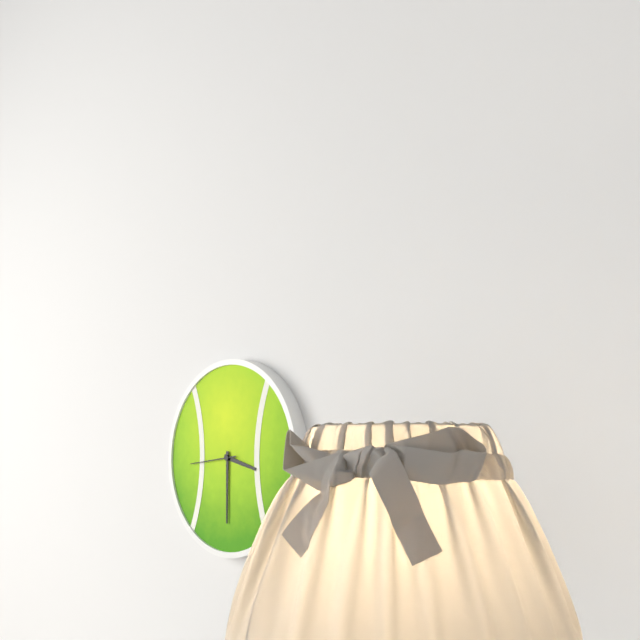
3h30
